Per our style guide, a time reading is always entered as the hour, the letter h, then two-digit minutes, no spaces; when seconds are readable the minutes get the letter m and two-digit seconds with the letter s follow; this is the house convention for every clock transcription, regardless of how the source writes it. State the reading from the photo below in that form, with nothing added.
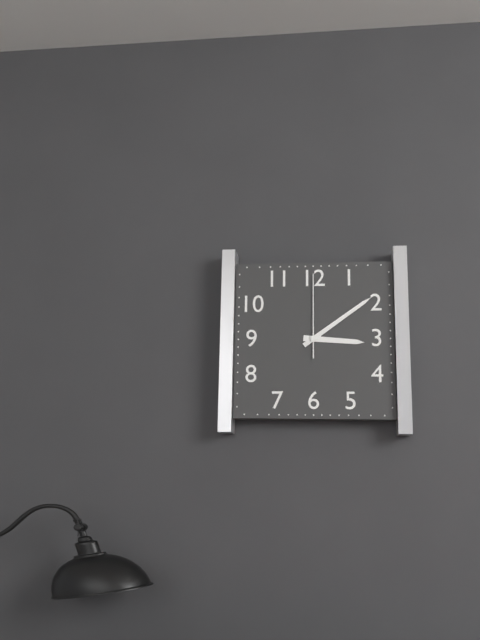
3h09m00s
